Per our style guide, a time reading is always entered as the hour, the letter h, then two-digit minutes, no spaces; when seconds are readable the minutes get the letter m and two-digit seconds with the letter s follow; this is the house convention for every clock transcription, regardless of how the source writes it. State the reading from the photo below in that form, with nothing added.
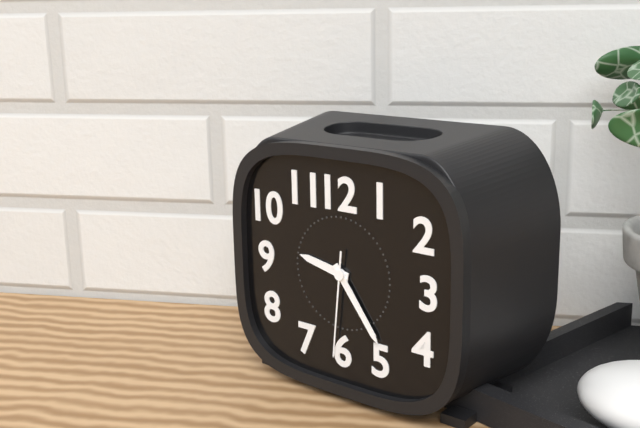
9h24m31s
